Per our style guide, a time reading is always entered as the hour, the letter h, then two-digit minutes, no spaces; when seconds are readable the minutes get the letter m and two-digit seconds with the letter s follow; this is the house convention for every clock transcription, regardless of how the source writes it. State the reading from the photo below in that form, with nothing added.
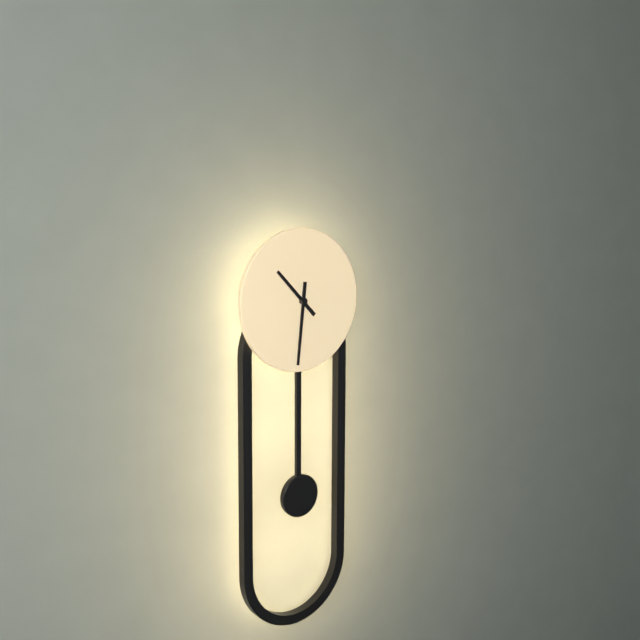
10h31
